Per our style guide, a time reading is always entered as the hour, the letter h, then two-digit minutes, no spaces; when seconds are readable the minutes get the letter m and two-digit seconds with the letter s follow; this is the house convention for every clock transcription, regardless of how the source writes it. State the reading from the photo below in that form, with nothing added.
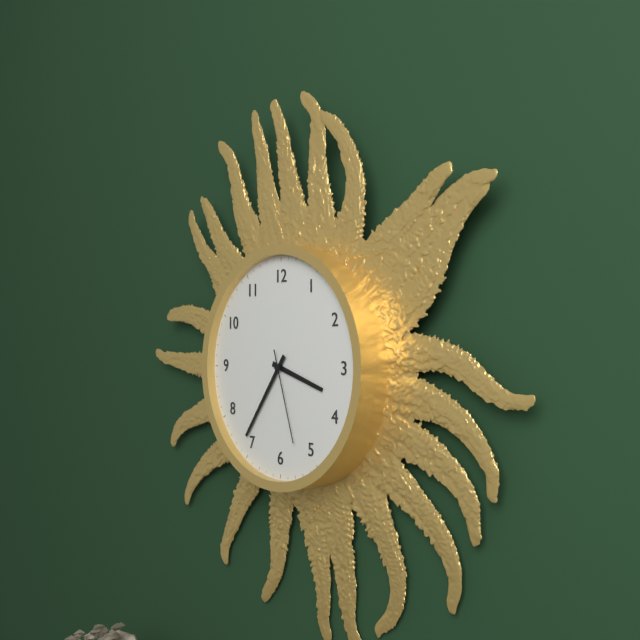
3h36m27s
